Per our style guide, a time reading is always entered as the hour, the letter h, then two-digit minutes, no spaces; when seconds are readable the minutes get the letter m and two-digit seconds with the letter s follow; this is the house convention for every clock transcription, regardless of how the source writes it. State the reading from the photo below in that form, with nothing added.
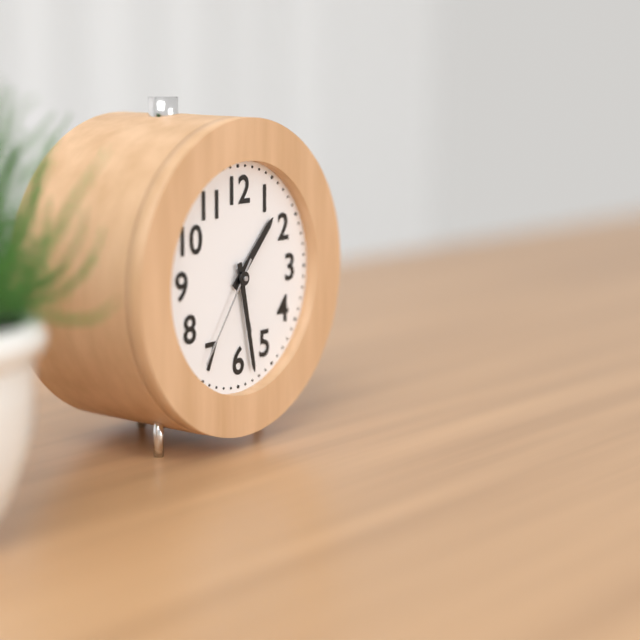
1h28m36s
